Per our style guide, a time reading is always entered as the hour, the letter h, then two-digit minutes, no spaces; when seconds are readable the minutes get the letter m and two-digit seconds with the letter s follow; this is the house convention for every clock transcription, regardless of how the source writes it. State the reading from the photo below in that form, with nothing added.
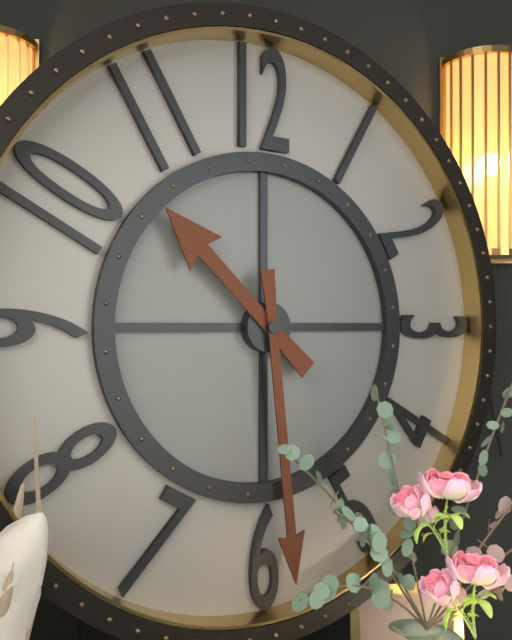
10h29
